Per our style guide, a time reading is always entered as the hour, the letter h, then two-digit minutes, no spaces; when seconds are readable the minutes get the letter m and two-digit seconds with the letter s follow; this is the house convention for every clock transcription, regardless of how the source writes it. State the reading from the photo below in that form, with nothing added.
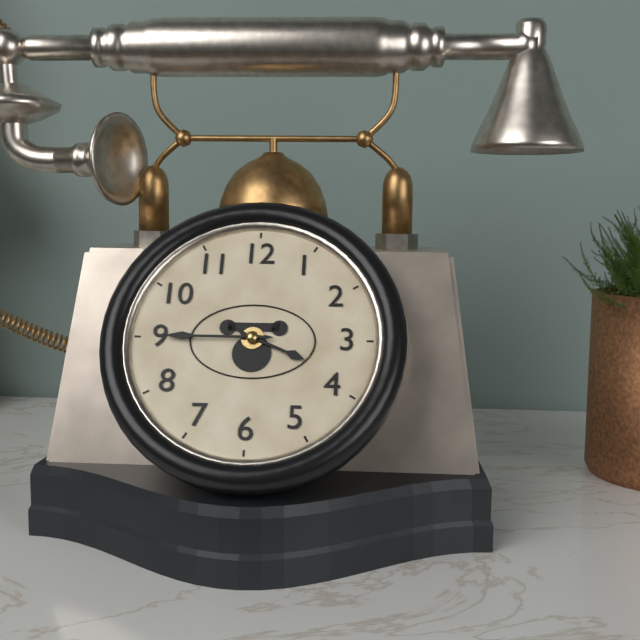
3h45
